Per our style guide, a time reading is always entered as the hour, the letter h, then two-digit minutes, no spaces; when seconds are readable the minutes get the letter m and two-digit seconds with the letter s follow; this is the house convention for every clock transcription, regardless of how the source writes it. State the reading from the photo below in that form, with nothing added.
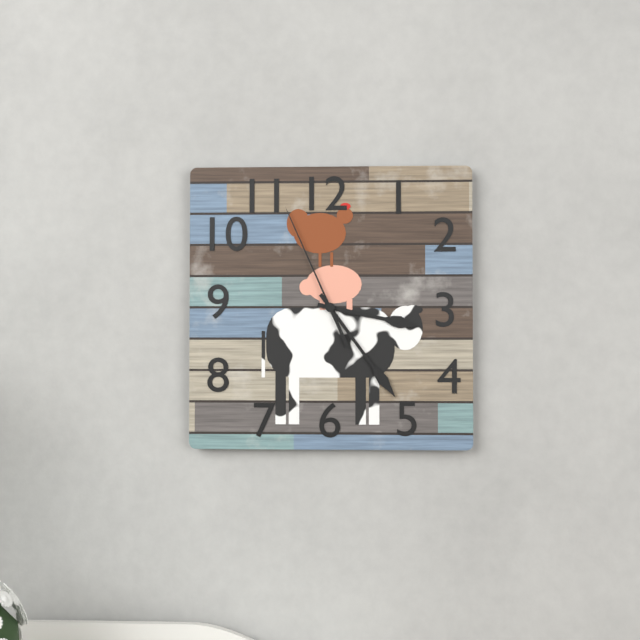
3h24m56s
